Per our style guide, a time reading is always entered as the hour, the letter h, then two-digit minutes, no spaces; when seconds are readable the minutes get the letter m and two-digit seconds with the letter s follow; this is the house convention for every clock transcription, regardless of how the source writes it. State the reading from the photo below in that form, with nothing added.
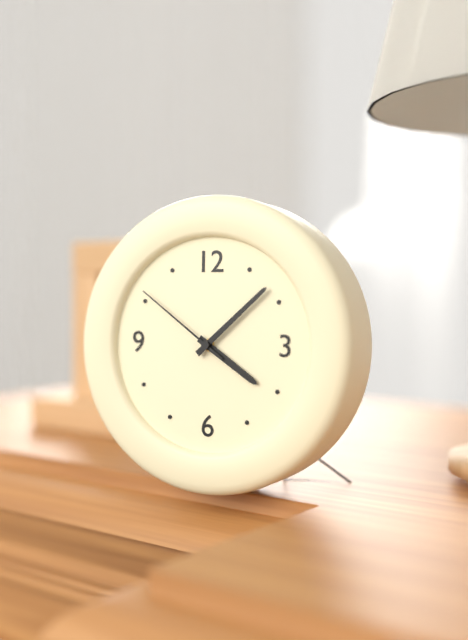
4h08m51s
